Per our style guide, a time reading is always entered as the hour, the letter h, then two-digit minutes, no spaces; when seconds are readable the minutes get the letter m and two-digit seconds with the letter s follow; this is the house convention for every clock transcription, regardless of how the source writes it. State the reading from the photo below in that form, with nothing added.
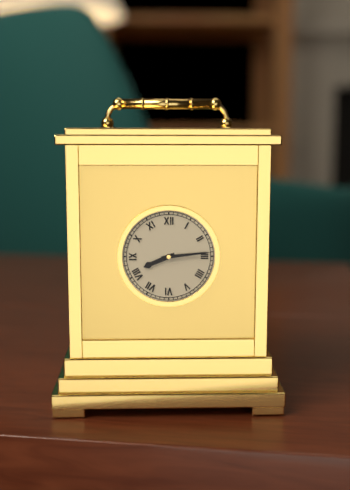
8h14
